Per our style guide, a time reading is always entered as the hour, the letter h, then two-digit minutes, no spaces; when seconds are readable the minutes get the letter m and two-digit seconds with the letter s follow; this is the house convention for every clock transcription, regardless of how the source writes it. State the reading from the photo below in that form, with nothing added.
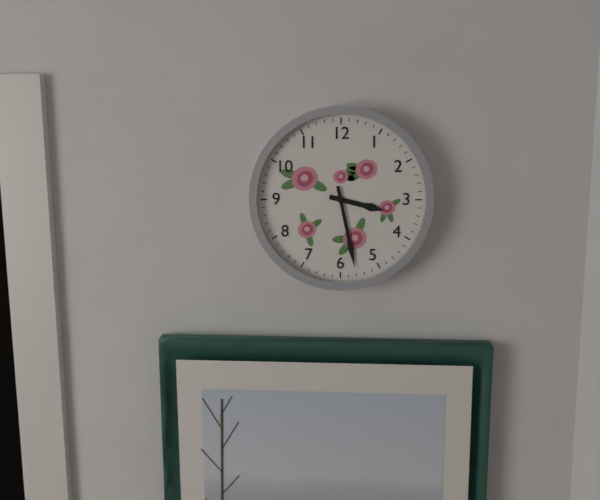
3h28
